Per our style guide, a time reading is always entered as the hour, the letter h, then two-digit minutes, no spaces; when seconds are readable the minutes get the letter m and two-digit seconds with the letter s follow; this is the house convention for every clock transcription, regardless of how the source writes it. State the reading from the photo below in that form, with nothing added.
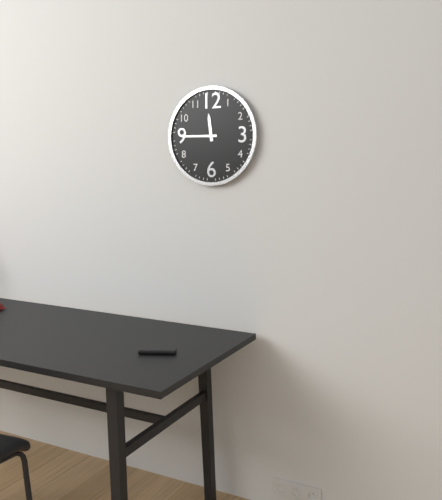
11h45
